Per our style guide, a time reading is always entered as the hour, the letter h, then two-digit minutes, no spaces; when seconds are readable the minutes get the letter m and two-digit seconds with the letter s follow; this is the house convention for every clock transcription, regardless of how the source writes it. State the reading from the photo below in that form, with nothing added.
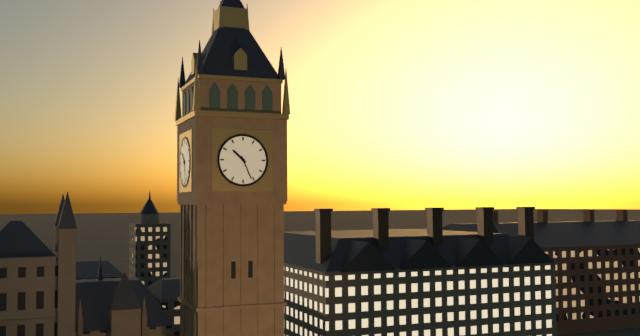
10h26
